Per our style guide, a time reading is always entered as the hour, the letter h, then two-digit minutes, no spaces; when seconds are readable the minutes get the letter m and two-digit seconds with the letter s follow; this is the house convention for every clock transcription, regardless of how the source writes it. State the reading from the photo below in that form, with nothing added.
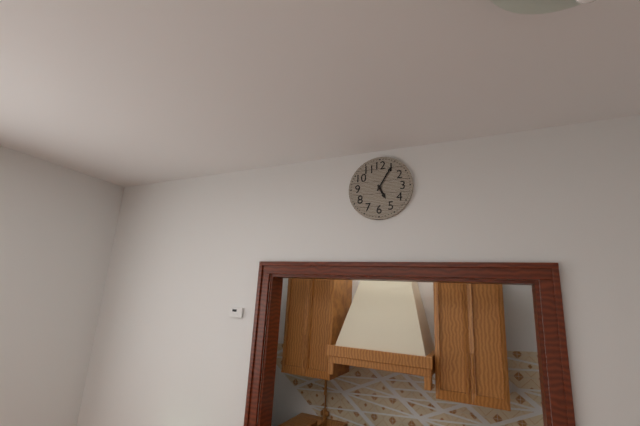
5h05
